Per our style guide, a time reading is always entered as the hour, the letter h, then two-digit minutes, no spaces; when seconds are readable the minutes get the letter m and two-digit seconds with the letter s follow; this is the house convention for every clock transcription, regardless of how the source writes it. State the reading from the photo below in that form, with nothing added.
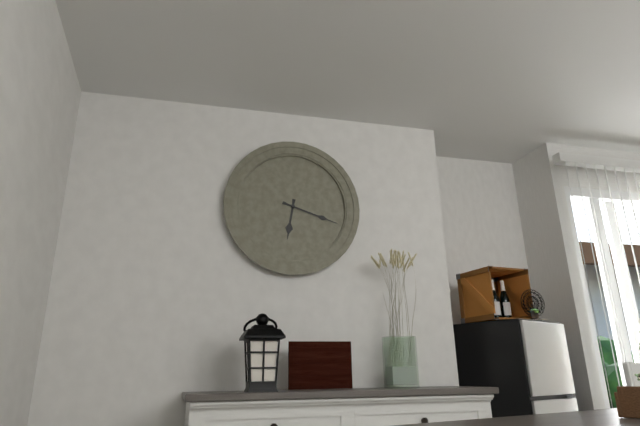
6h18
